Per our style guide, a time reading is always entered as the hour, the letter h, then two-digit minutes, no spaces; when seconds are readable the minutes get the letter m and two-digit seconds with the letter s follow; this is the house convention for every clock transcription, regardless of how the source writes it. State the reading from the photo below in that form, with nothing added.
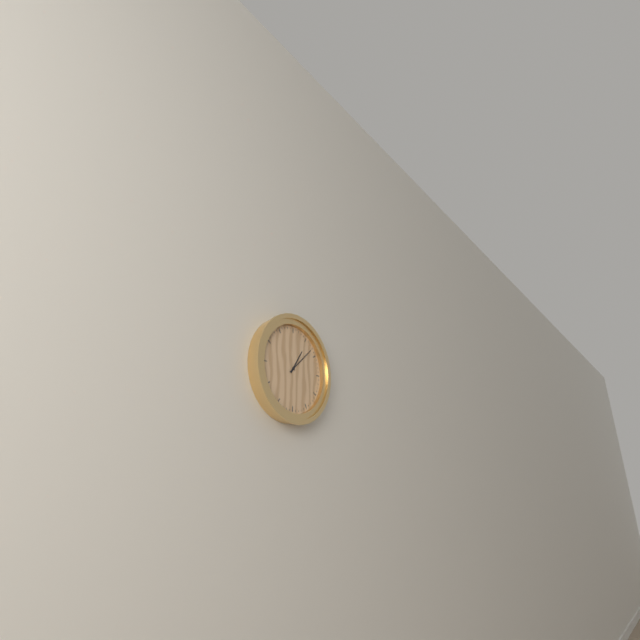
1h08
